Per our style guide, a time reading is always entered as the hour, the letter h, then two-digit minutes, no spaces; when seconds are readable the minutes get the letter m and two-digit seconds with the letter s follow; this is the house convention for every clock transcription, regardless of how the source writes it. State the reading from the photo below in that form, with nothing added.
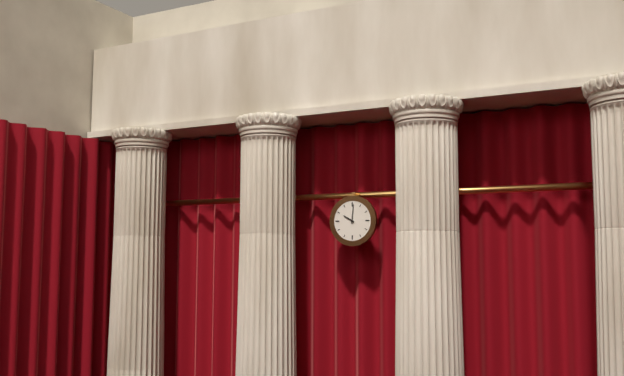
10h01
